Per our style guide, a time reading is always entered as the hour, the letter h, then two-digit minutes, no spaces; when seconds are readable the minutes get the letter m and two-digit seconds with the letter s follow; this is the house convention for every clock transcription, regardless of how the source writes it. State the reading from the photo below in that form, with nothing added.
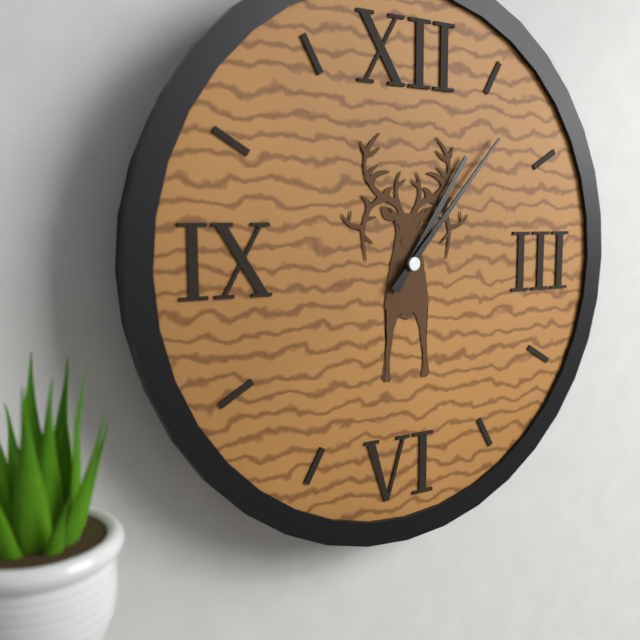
1h07
